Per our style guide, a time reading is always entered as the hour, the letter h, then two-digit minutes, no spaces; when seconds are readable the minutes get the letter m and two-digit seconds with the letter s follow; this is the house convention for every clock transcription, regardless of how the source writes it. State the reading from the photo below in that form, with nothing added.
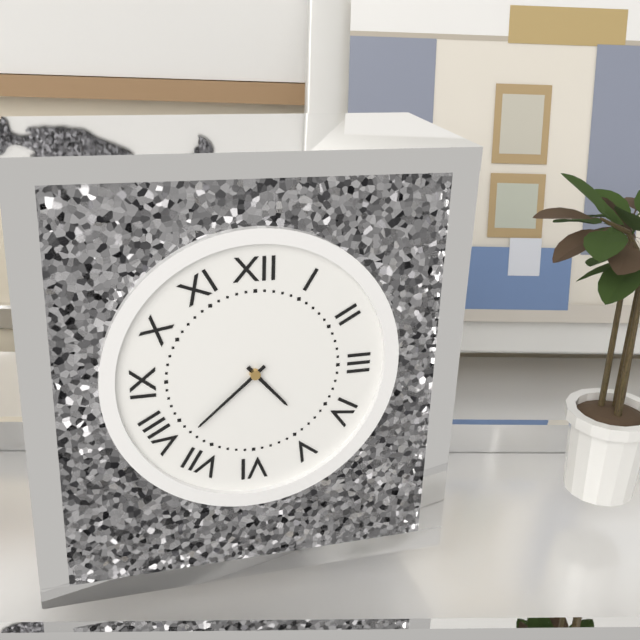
4h38
